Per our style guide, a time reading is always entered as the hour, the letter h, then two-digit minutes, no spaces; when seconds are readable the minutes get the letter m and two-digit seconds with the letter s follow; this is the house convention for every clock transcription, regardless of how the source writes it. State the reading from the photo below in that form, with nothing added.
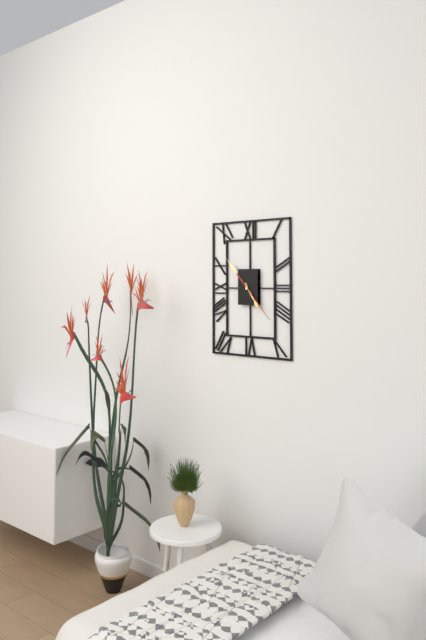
4h53
